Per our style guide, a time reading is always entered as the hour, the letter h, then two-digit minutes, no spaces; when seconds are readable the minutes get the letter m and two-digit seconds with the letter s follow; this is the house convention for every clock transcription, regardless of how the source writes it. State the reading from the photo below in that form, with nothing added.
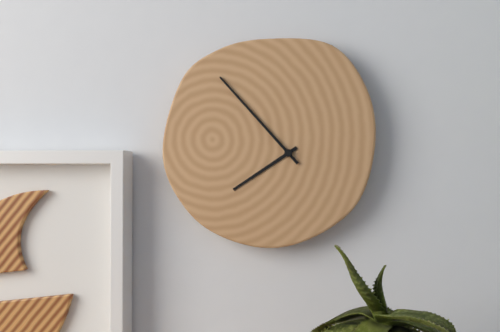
7h53
